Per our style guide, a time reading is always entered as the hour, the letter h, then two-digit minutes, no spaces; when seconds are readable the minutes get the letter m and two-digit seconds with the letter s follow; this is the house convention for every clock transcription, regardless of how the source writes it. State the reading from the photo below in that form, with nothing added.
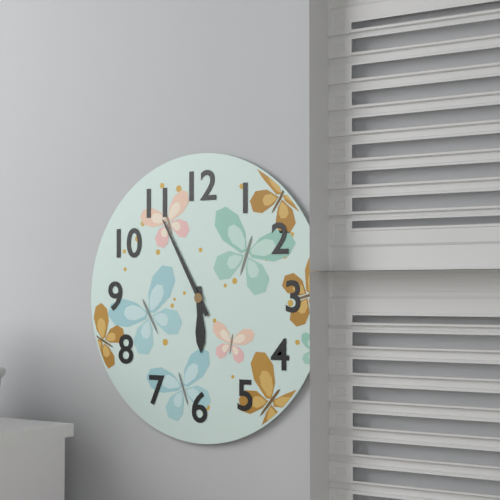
5h55
